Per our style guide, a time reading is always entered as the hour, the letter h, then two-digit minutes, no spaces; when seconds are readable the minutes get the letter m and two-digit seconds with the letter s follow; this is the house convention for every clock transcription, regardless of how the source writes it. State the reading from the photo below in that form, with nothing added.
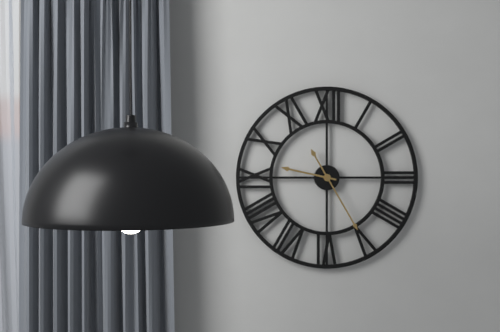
9h25
